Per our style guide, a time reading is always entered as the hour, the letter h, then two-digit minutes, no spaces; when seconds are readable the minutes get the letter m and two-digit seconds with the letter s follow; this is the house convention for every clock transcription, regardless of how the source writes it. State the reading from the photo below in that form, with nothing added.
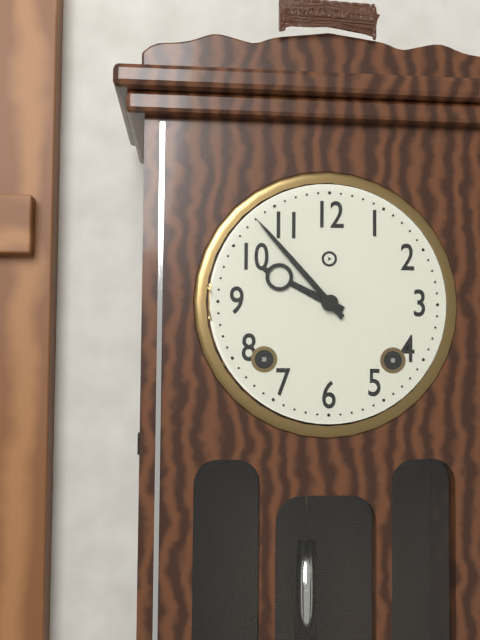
9h53
